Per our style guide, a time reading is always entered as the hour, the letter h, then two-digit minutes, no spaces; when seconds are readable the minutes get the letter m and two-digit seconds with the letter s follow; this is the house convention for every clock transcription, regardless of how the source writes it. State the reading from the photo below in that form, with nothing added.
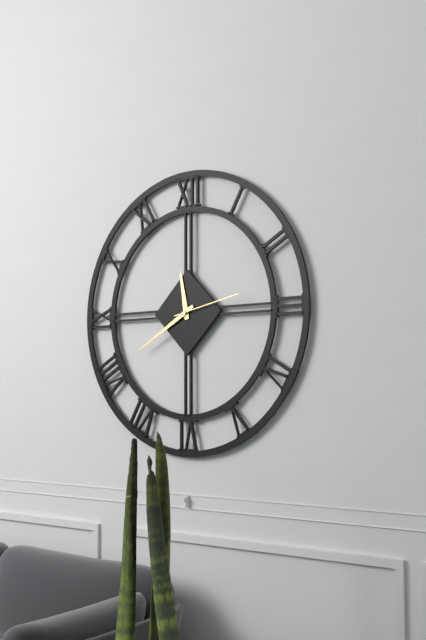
11h40m13s
